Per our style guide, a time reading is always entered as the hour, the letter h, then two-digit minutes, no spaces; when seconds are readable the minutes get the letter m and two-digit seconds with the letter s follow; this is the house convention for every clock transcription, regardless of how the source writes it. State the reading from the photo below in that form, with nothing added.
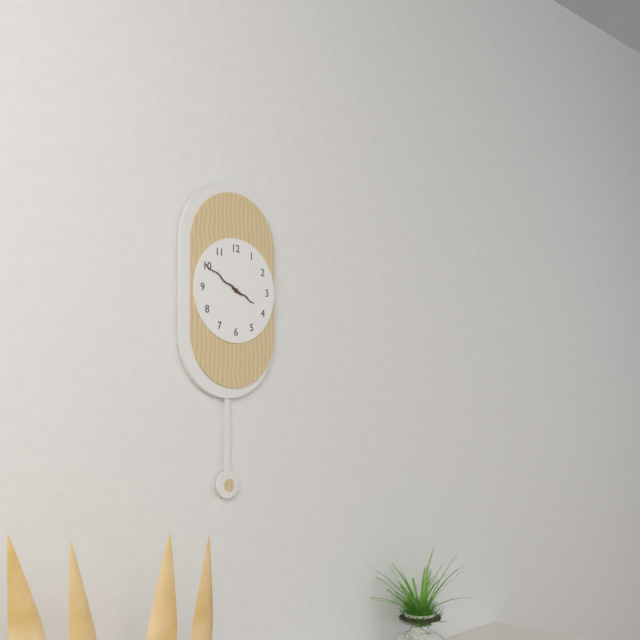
3h50
